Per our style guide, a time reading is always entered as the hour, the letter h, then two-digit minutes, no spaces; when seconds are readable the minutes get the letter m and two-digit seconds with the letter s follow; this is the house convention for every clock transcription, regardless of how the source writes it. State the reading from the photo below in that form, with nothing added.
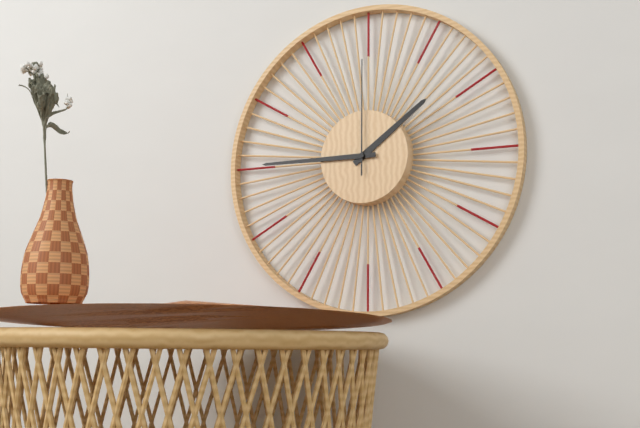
1h45m00s
